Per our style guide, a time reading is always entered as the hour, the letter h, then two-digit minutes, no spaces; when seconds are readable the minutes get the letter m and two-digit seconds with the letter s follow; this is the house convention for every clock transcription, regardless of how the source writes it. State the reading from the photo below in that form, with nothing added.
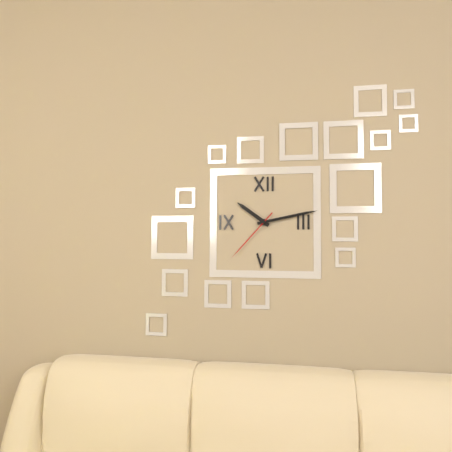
10h13m37s
